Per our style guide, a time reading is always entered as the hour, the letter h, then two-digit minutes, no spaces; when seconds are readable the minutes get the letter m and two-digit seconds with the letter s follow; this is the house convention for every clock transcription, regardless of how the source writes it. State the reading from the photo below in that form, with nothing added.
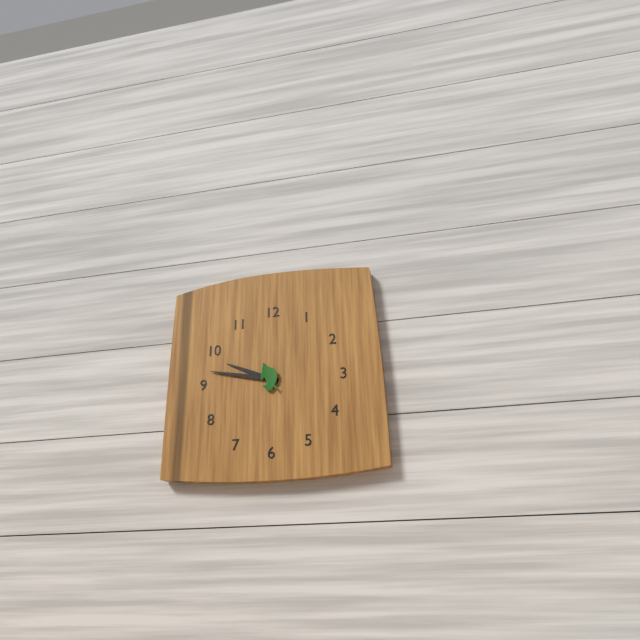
9h47
